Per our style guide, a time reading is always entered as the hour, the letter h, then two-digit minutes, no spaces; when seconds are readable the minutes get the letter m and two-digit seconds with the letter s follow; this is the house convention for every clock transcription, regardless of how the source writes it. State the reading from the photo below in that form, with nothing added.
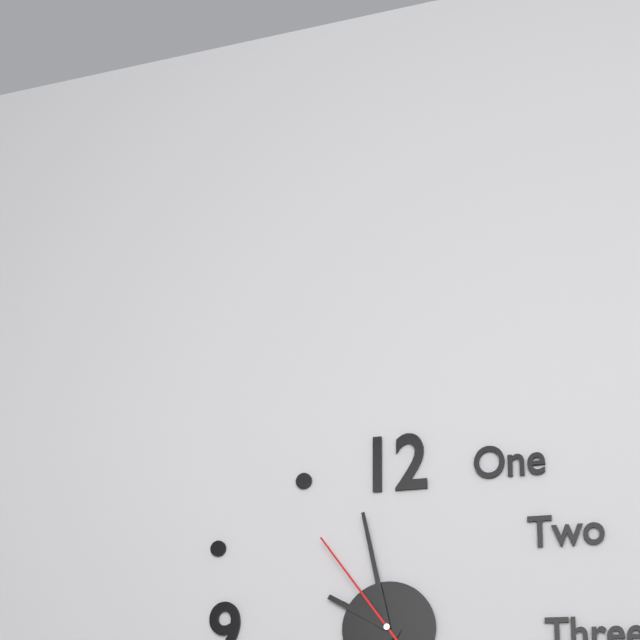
9h58m54s
